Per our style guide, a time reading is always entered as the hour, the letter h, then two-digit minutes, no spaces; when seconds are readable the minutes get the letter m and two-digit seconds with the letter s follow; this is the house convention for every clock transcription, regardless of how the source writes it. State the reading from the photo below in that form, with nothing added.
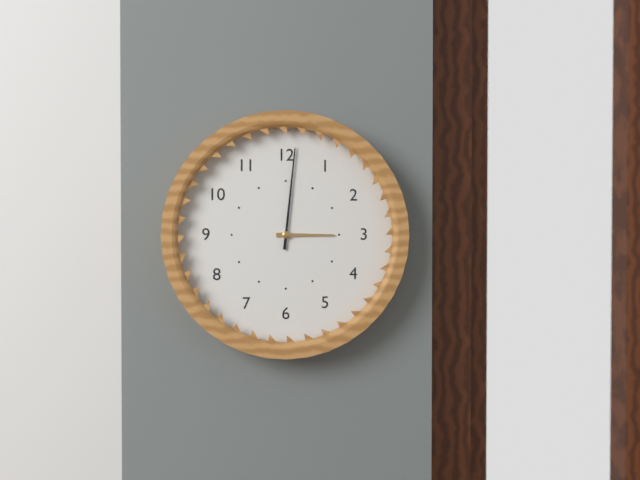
3h01
